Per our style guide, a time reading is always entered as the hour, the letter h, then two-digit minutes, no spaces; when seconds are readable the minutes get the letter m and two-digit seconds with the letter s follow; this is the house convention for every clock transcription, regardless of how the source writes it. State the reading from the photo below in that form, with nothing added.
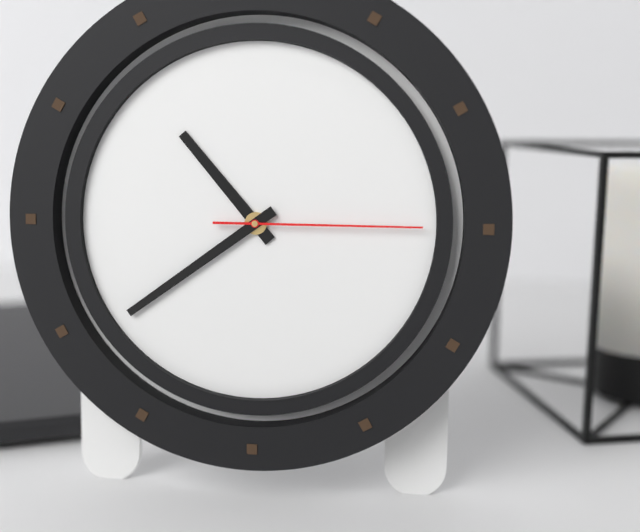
10h39m15s
